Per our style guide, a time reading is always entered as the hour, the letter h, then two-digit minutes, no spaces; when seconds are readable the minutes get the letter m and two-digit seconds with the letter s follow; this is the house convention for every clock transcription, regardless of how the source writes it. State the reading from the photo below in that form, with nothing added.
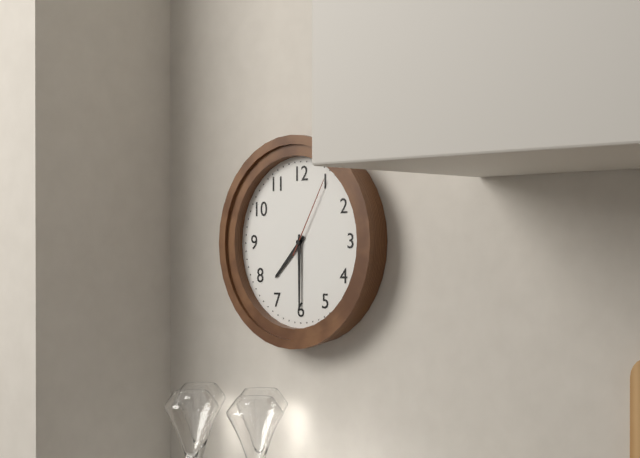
7h30m05s
